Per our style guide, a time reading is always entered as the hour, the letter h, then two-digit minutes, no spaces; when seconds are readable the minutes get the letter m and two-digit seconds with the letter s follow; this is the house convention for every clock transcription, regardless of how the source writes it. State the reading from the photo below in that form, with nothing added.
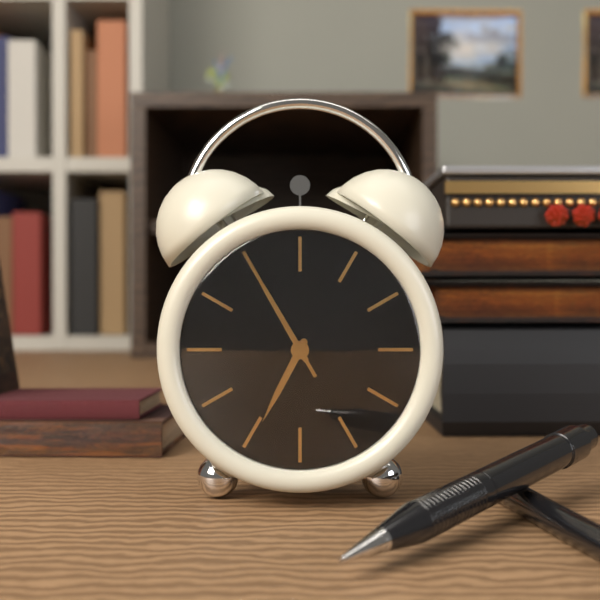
6h55m55s
